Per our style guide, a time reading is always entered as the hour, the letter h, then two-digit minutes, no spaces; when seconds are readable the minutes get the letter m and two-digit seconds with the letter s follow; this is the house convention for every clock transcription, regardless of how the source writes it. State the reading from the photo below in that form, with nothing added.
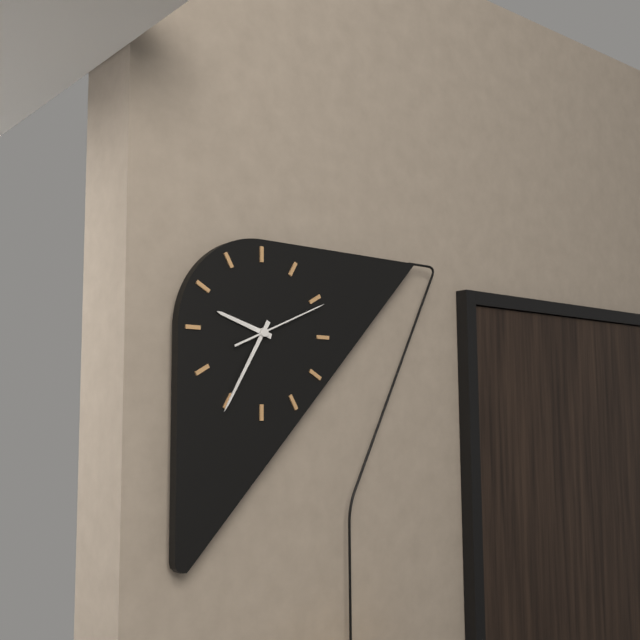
9h35m11s
